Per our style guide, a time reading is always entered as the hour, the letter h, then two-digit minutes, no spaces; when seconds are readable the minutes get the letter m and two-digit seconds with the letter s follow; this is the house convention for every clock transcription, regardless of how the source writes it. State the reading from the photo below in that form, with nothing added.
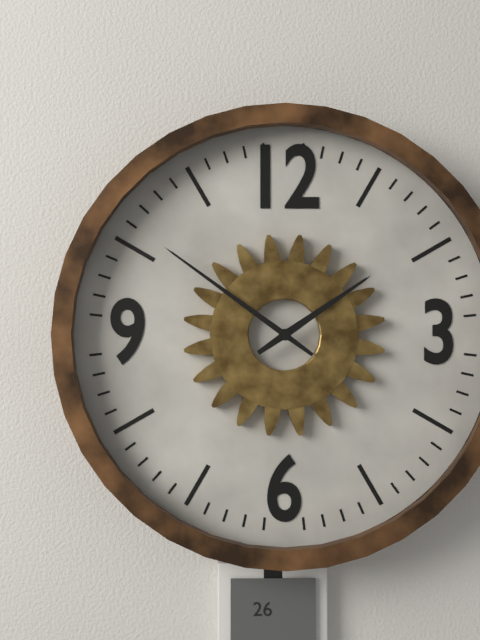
1h51
